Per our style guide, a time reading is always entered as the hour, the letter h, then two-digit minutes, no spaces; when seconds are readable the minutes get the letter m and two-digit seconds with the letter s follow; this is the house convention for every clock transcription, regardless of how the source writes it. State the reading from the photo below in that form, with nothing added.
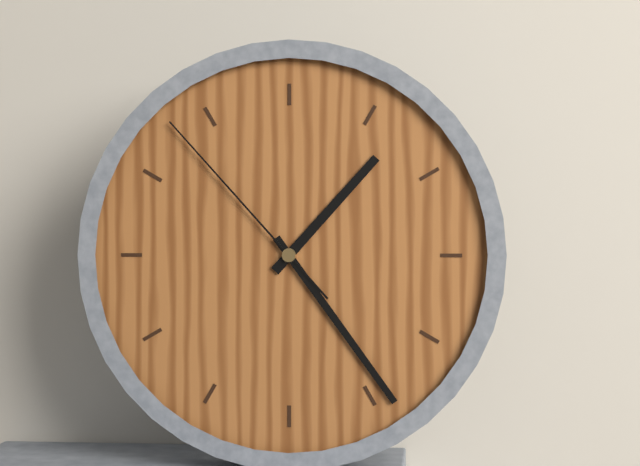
1h24m53s
